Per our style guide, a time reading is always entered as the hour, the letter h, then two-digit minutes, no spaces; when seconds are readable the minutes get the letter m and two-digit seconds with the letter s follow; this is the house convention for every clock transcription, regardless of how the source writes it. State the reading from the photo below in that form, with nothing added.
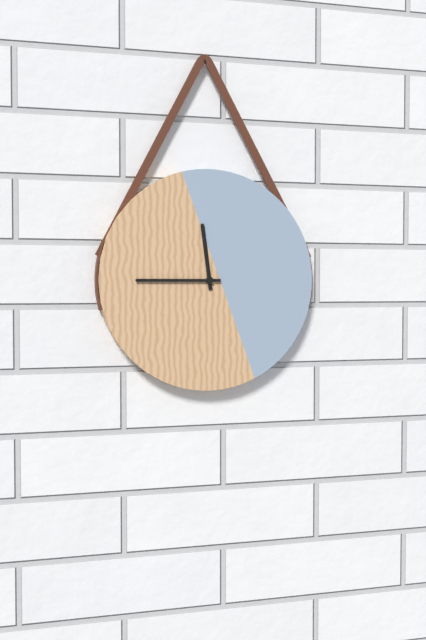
11h45
